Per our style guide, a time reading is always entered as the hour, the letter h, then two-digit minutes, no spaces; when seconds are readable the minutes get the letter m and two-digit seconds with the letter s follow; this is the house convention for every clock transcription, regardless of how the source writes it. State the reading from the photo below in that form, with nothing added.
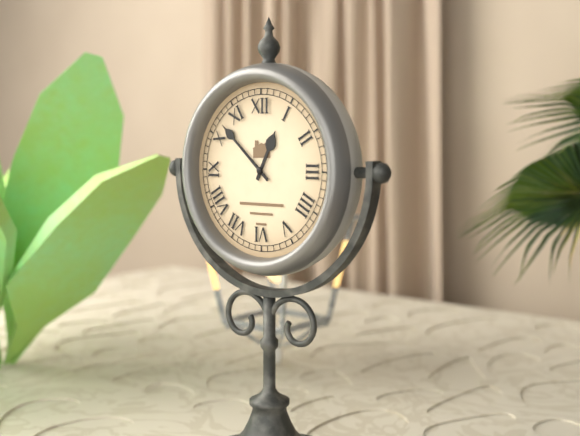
12h52
